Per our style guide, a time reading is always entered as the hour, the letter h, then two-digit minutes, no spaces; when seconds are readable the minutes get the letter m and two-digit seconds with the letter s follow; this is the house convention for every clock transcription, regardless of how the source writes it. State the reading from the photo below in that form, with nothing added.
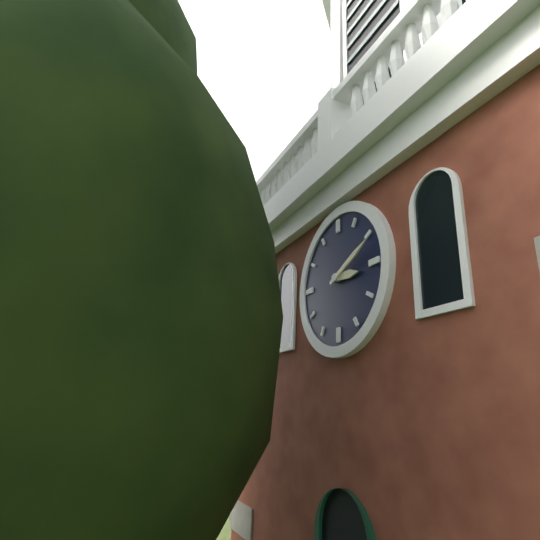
3h11
